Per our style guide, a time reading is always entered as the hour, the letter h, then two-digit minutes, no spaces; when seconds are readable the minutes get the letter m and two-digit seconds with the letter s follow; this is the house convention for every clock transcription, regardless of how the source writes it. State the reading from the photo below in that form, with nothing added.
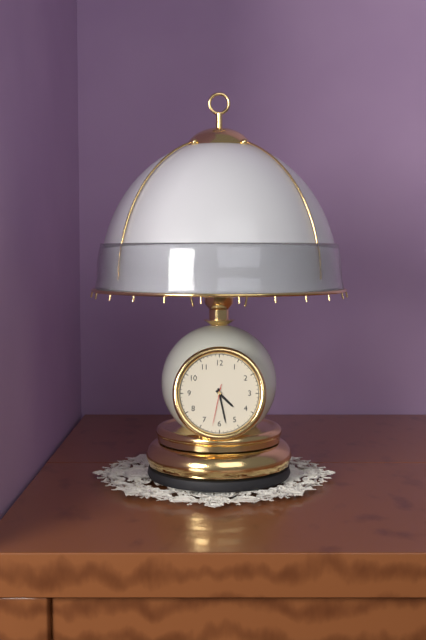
4h28
